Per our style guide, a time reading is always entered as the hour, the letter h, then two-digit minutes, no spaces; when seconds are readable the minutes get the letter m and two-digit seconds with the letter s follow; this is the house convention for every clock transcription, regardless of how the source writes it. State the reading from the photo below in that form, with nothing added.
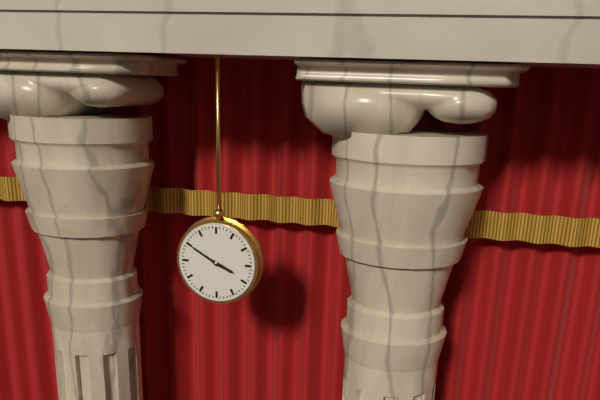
3h50
